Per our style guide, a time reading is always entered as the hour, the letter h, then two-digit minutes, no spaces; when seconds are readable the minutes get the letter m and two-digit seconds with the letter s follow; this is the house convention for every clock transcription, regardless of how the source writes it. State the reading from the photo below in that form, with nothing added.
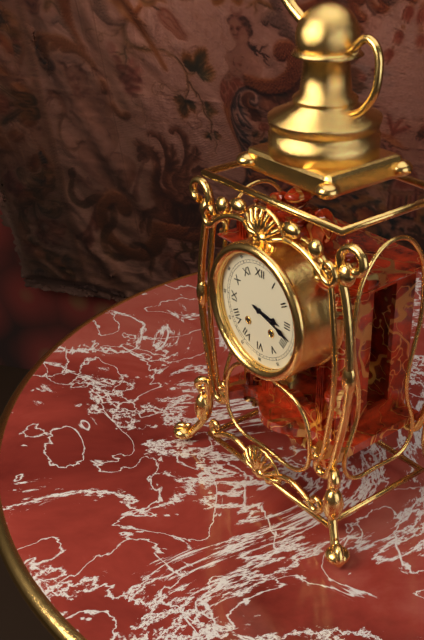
3h18
